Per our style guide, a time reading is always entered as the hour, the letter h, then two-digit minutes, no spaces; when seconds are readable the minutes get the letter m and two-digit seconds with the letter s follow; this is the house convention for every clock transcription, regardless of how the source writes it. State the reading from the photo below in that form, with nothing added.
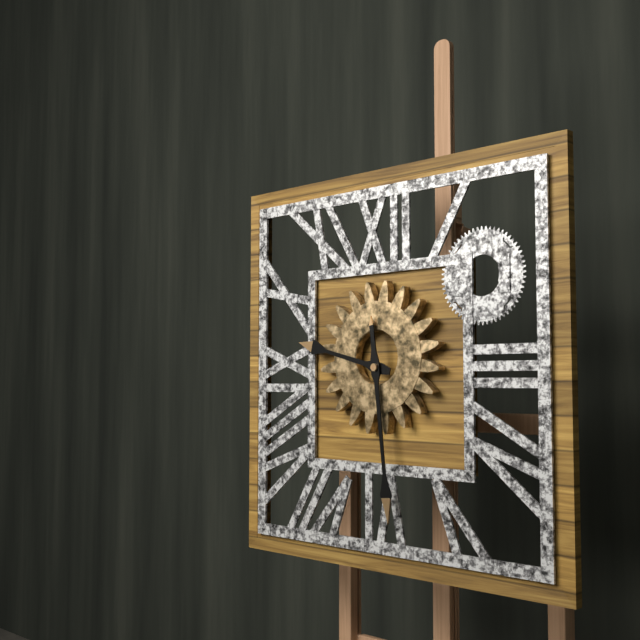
9h29
